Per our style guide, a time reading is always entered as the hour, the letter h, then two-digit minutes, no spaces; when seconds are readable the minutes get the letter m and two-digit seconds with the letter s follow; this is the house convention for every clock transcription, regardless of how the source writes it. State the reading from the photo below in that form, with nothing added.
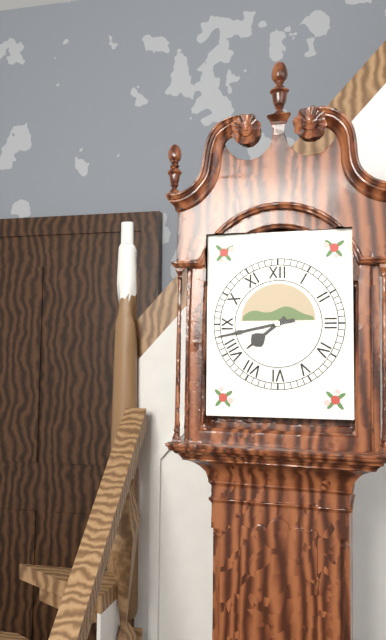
7h43
